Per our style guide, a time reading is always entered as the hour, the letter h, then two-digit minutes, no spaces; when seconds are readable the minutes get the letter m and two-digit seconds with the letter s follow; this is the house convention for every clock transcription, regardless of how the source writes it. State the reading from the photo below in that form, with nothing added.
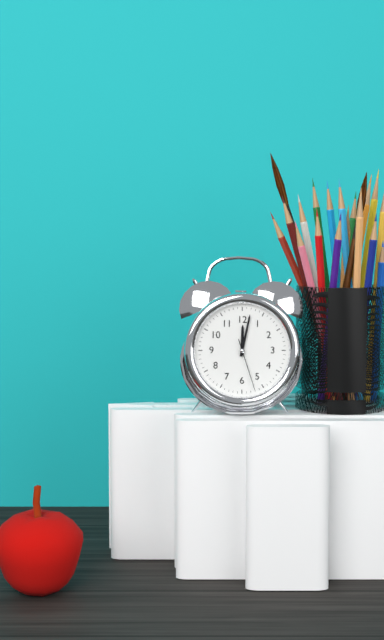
12h02m27s
